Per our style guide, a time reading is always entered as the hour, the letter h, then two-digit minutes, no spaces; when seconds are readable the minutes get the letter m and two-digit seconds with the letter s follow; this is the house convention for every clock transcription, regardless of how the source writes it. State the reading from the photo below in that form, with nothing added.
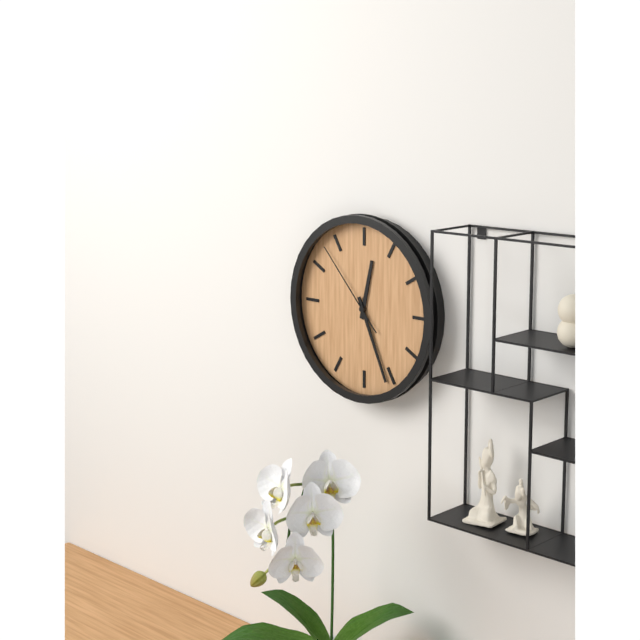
12h26m53s
